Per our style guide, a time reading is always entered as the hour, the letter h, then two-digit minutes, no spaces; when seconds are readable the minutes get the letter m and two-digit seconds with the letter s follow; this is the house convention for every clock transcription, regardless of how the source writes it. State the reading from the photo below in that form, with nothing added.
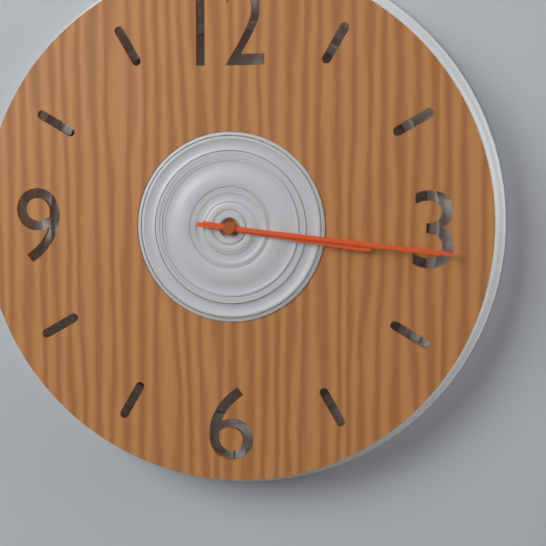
3h16
